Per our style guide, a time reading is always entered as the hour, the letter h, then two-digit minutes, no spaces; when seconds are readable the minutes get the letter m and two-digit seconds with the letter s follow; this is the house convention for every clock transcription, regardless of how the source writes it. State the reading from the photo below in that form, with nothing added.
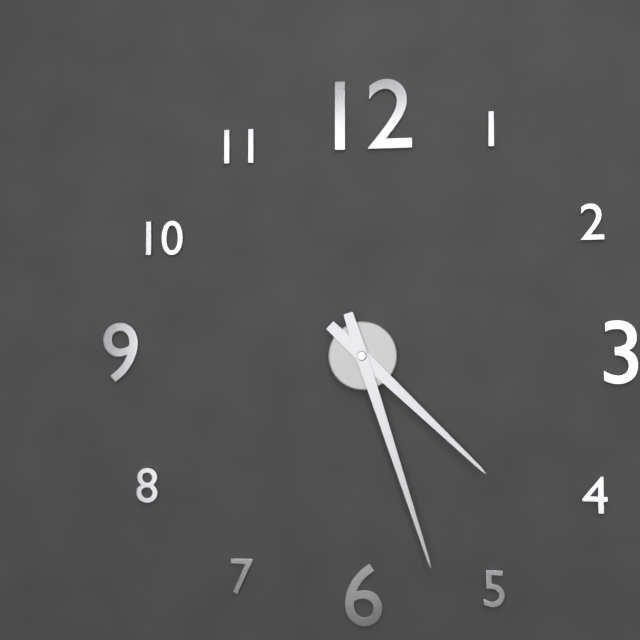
4h27
